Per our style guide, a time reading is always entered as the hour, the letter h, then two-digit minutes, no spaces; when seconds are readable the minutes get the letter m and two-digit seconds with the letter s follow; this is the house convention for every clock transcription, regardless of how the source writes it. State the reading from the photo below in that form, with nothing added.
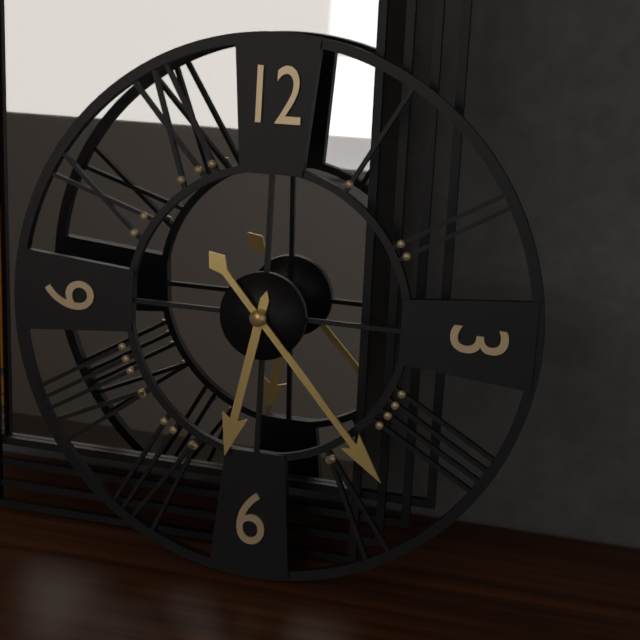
6h23
